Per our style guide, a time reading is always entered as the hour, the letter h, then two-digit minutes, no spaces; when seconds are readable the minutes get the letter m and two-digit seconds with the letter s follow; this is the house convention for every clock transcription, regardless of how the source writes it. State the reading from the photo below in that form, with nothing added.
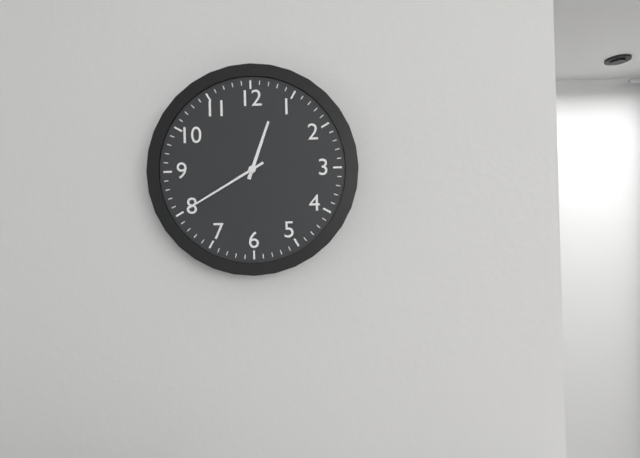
12h40
